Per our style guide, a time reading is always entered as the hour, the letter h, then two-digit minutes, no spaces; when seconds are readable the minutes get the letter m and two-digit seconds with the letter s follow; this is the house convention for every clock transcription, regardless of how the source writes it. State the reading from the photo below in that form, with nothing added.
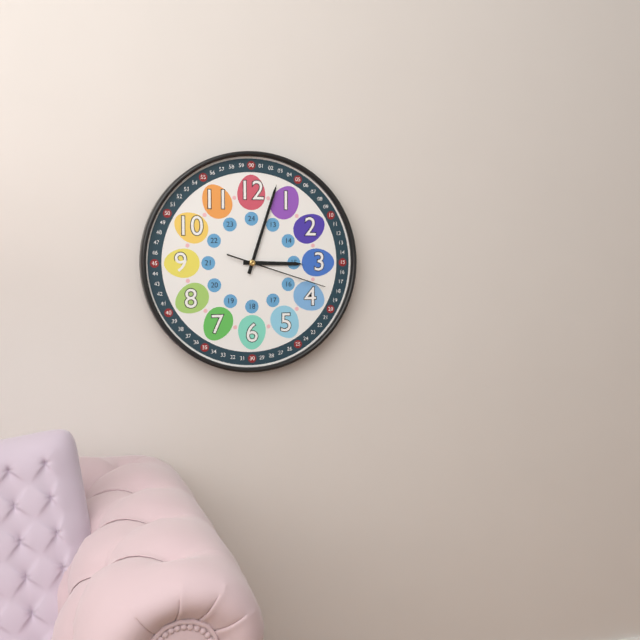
3h03m18s
